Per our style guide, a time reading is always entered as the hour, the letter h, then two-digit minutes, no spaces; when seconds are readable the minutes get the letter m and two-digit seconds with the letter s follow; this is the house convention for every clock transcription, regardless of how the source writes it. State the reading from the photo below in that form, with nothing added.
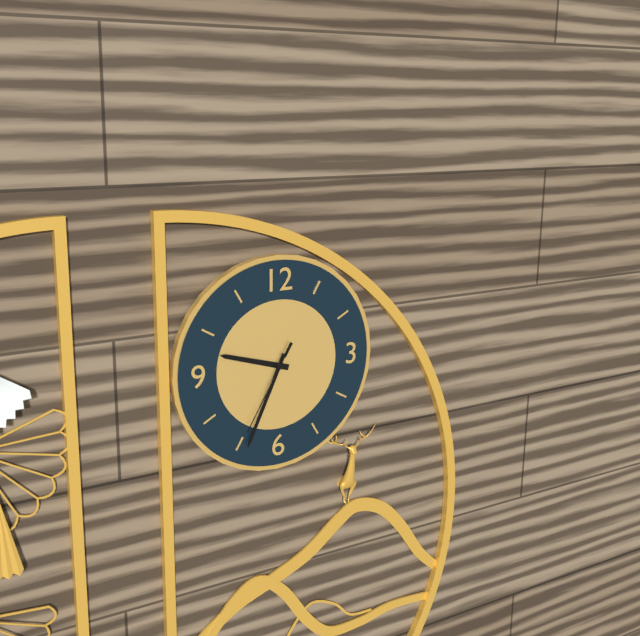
9h34m35s
